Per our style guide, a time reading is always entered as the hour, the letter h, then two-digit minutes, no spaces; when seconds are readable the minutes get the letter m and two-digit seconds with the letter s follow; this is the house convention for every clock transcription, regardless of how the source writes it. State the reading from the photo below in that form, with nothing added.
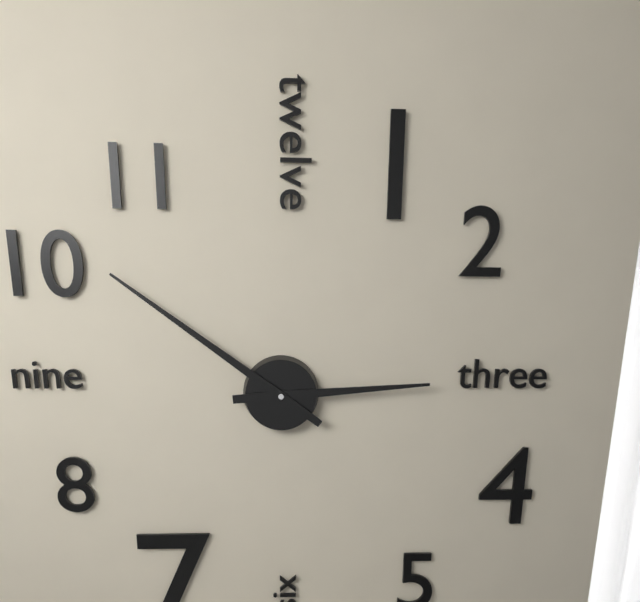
2h51
